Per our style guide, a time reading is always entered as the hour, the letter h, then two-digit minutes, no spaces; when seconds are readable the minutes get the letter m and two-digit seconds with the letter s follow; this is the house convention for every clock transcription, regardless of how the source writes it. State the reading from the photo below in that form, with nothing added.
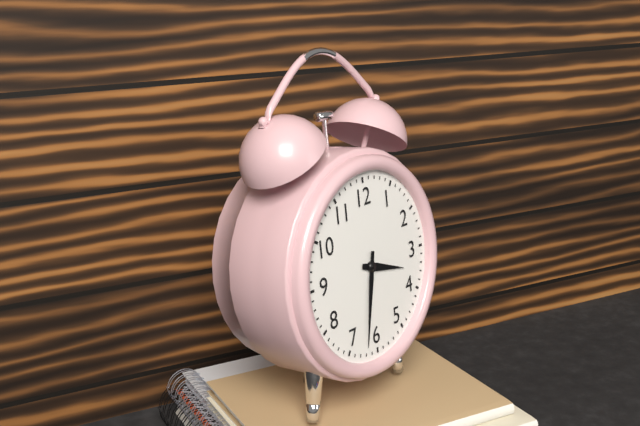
3h32
